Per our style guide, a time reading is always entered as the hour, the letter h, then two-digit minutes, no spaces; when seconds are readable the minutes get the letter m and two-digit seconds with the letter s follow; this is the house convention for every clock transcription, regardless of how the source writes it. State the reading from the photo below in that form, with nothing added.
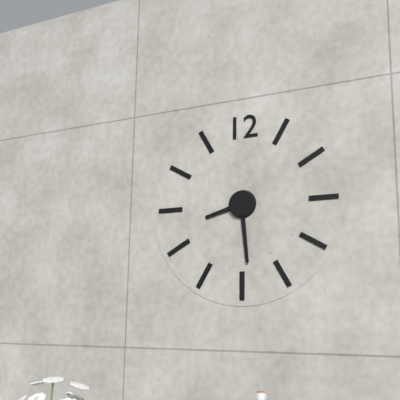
8h29
